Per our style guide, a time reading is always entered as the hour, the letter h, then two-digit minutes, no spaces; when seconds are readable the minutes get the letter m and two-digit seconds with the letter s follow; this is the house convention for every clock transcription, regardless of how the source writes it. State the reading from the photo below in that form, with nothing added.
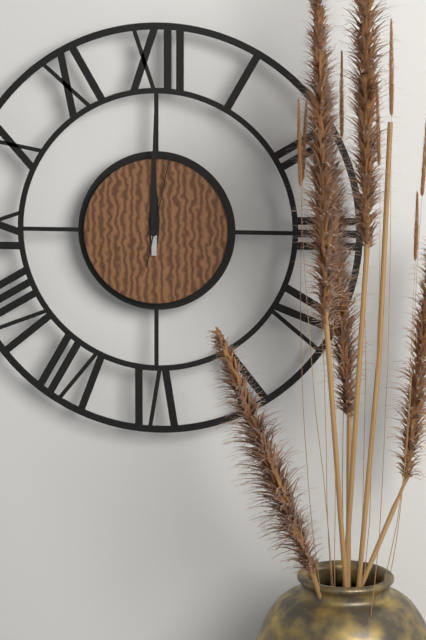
12h00m02s
